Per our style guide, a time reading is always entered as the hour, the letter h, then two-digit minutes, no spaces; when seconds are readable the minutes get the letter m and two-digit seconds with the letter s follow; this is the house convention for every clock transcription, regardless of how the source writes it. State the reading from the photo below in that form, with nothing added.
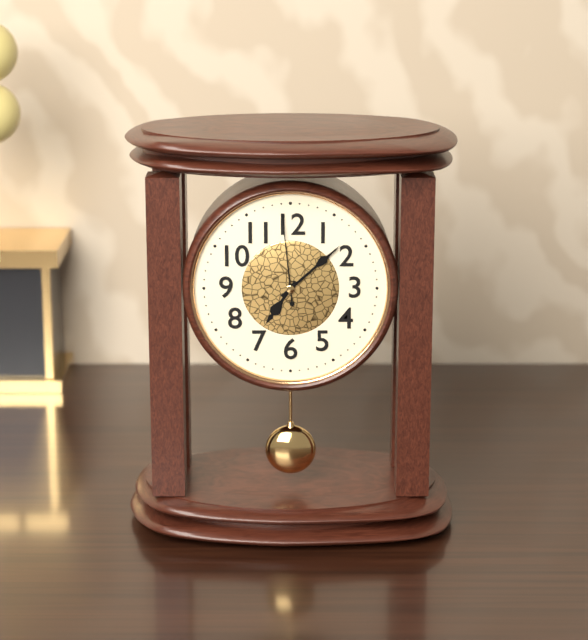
7h08m59s
